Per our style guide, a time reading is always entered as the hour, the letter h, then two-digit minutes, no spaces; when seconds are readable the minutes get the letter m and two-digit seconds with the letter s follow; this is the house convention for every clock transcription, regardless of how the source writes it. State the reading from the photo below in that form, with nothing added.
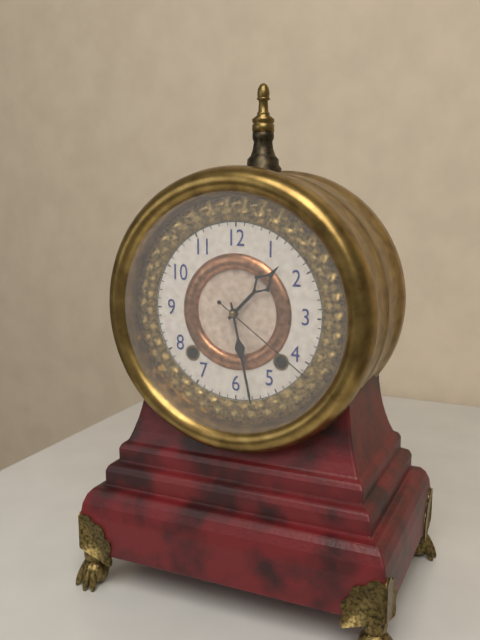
1h28m21s
